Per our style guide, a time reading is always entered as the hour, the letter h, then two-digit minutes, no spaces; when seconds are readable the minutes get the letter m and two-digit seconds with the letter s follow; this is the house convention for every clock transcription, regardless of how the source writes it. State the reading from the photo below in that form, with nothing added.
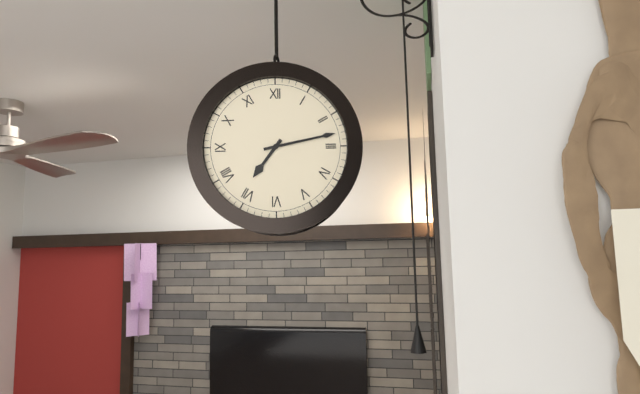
7h13
